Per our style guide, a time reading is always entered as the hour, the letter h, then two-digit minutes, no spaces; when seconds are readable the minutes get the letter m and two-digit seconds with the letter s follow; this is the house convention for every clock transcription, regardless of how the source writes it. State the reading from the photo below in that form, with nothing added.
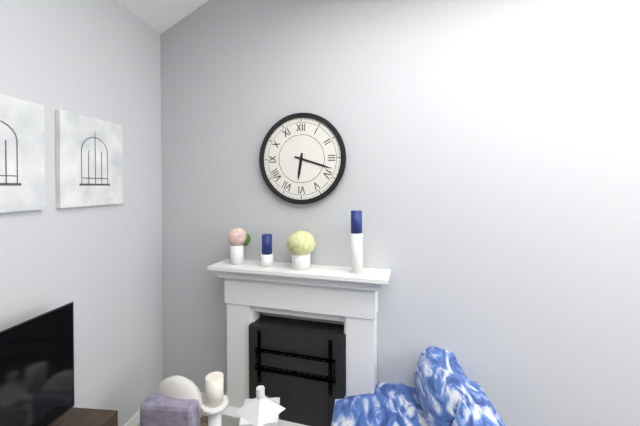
6h18
